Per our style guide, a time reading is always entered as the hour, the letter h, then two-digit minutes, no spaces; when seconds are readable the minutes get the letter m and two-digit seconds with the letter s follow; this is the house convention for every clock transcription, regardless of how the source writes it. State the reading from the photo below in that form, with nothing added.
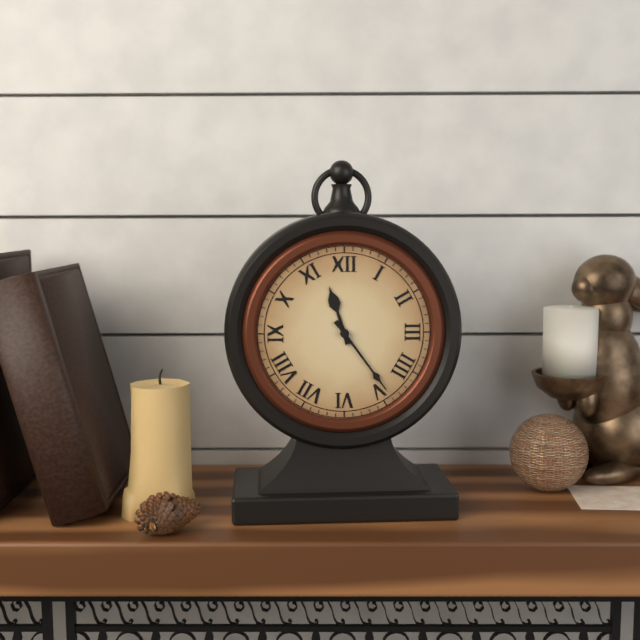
11h24
